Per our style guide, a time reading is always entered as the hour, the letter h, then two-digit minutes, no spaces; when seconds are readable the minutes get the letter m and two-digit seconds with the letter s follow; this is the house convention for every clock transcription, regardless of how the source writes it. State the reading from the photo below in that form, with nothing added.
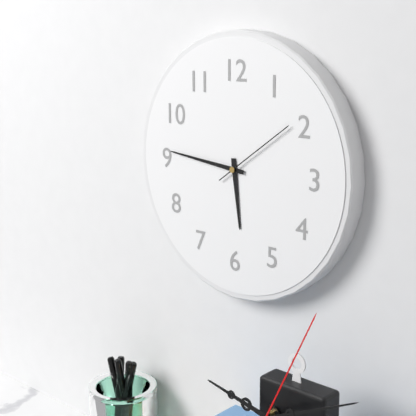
5h46m09s
